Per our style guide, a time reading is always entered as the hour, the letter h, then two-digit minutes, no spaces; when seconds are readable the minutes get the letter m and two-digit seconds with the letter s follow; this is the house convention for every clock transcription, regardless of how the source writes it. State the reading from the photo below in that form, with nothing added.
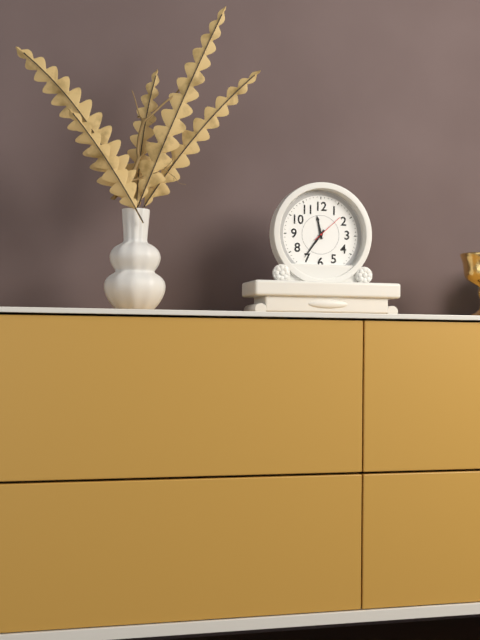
11h36
